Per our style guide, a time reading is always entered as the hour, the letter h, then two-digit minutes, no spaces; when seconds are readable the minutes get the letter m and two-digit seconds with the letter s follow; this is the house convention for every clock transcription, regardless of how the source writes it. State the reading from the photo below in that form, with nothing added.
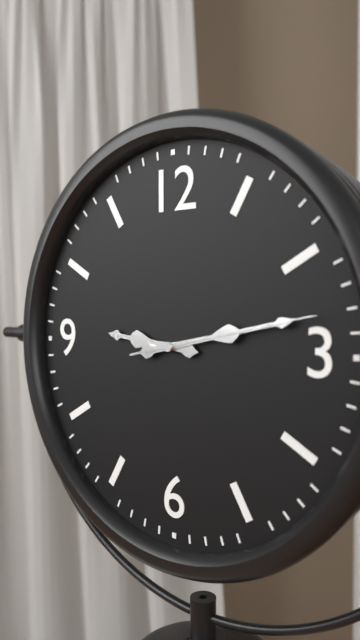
9h13m13s
